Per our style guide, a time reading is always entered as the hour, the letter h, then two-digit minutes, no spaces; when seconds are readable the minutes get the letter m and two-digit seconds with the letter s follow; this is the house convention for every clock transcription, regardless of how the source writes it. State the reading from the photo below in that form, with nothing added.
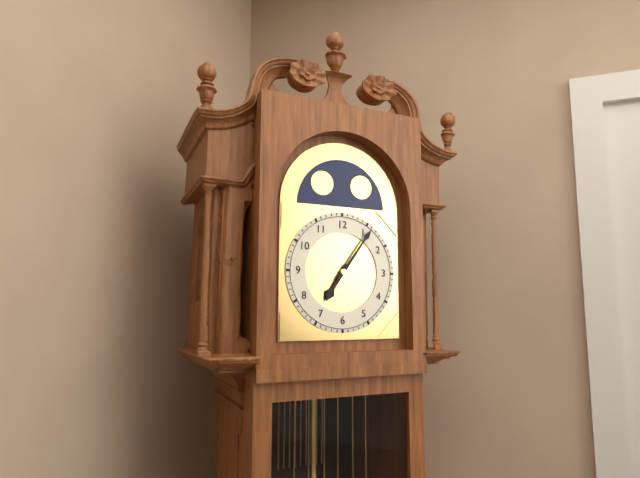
7h06
